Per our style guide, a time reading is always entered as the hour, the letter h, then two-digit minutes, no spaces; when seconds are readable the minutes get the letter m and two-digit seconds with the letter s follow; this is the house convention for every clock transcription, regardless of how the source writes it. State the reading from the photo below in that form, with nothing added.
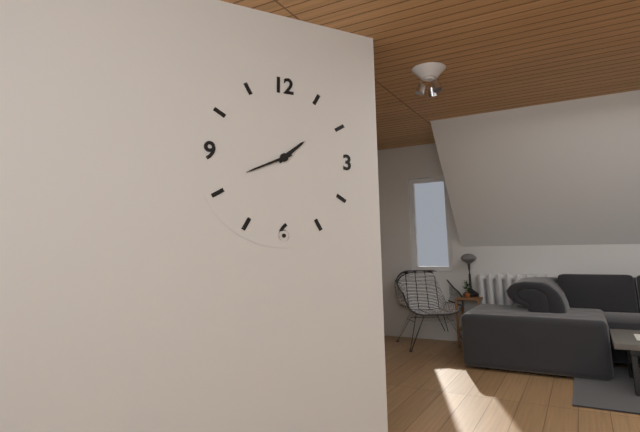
1h41
